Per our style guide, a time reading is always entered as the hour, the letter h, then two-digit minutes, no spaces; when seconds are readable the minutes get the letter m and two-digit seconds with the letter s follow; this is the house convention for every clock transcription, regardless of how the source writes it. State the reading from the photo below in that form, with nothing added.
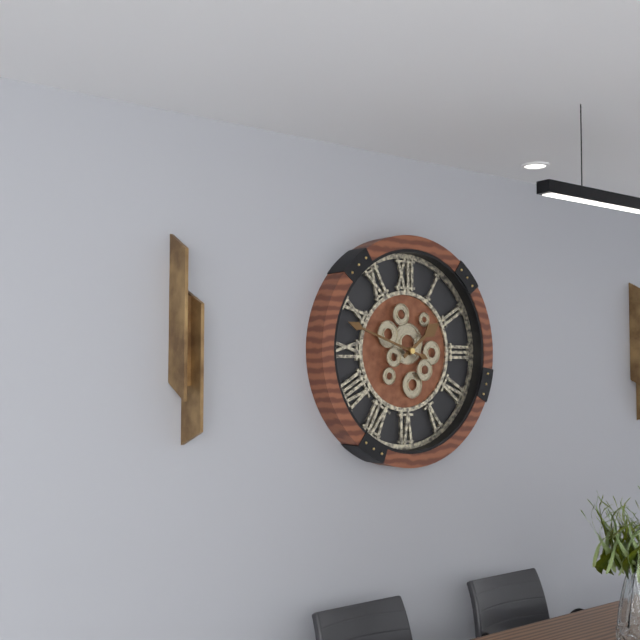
1h48
